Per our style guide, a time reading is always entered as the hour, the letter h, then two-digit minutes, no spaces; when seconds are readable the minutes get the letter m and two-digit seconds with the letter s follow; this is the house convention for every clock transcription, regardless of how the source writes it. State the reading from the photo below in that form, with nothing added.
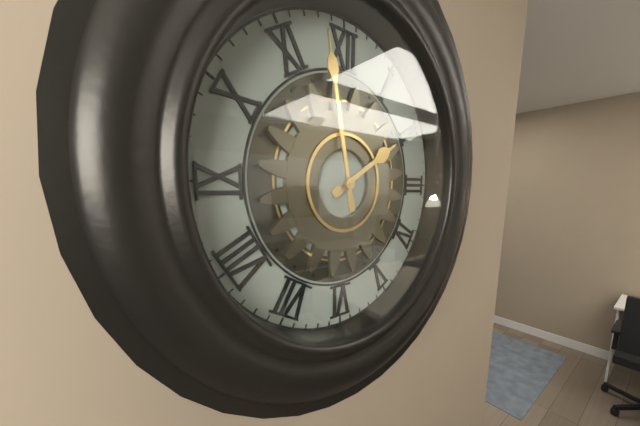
1h58
